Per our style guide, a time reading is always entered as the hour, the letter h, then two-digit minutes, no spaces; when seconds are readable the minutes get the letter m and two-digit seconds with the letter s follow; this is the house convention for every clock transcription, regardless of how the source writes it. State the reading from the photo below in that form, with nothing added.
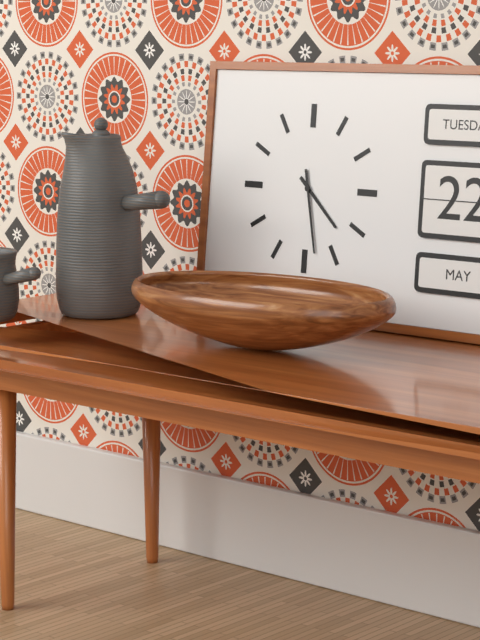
4h28
